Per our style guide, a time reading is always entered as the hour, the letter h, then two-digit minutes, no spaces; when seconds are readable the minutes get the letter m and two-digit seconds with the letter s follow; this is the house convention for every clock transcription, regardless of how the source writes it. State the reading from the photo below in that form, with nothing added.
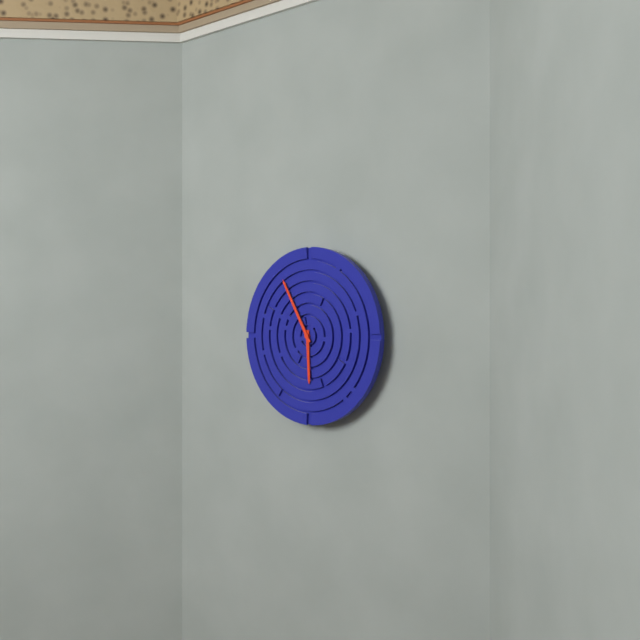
5h55
